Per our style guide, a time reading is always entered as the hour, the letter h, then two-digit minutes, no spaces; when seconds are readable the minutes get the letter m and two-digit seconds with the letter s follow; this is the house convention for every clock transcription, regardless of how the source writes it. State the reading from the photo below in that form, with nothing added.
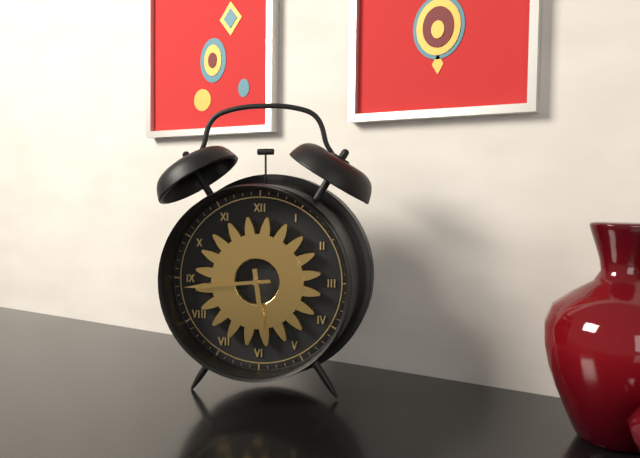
5h44
